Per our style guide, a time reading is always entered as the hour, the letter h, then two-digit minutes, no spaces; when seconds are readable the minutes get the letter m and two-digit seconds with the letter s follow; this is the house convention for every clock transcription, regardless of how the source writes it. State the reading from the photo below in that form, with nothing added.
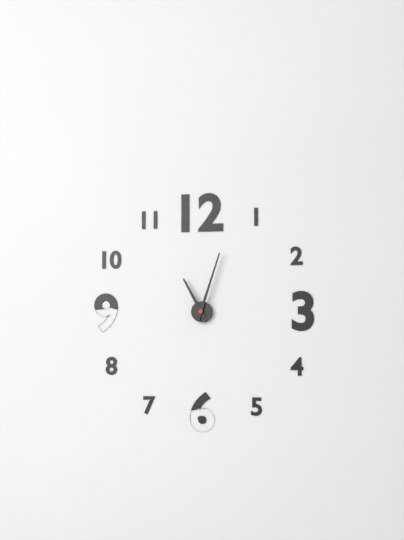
11h03
